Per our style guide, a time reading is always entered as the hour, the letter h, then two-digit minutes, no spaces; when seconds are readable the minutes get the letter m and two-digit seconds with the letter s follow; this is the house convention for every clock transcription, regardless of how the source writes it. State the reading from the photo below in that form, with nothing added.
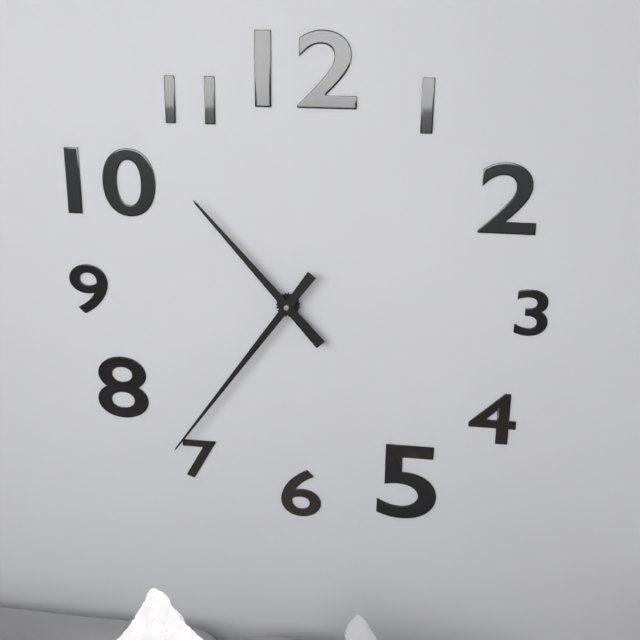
10h36
